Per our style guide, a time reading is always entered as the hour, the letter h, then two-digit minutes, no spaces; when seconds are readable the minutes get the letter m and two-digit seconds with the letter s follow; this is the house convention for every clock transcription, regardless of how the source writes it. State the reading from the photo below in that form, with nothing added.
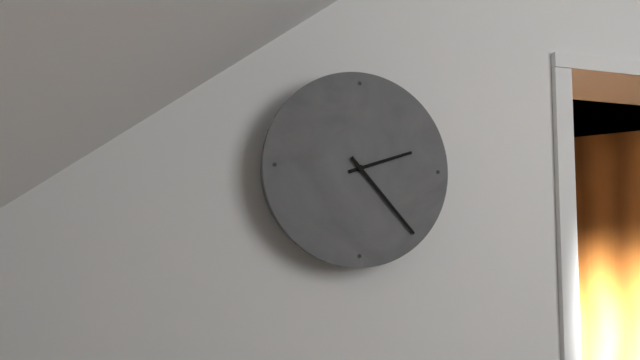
2h23
